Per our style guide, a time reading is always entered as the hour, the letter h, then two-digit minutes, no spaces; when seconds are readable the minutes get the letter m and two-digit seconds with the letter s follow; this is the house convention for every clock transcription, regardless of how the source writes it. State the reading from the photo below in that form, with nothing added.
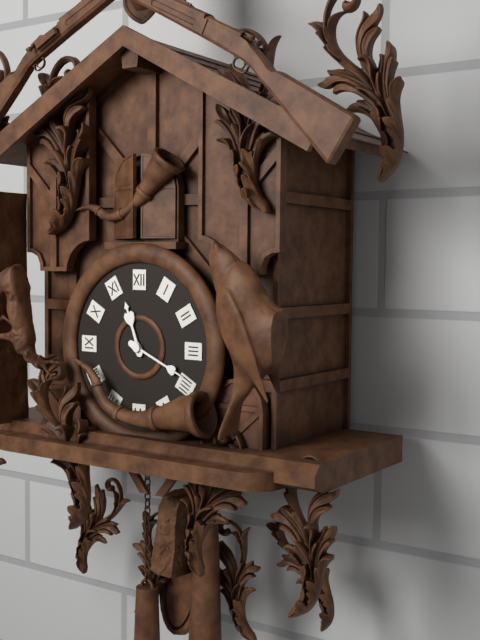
11h19
